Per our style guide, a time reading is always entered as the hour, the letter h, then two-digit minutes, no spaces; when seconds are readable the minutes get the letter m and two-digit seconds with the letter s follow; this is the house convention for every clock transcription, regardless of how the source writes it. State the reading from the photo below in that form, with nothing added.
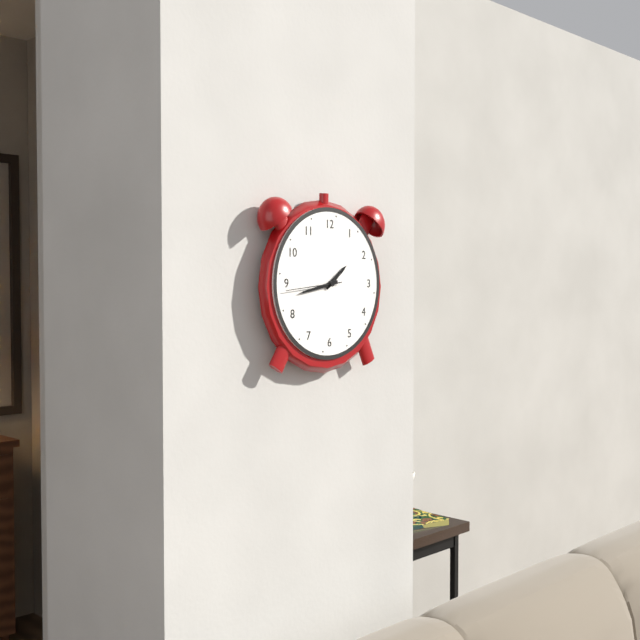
1h43m44s
